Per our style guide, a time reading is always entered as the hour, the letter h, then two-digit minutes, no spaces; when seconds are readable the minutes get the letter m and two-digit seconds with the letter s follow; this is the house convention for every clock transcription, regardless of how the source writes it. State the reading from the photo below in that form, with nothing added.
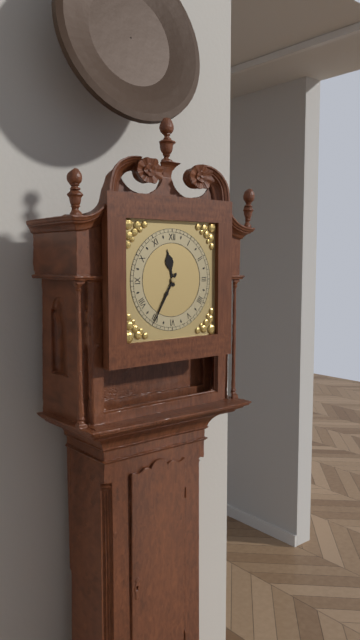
11h35
